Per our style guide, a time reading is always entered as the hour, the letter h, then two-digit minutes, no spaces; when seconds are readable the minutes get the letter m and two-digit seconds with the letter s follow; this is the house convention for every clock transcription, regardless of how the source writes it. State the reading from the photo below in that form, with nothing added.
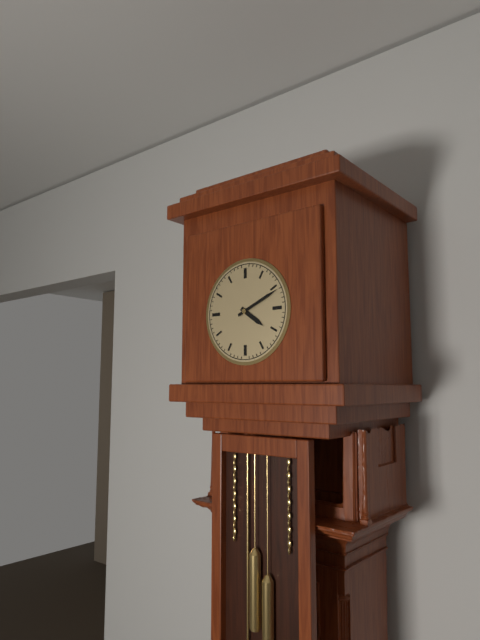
4h11
